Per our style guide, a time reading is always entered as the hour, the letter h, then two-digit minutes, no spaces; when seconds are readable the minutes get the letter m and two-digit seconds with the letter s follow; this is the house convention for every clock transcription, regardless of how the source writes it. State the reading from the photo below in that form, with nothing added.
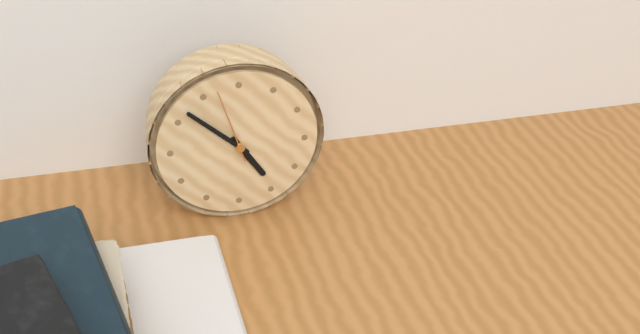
4h52m57s
